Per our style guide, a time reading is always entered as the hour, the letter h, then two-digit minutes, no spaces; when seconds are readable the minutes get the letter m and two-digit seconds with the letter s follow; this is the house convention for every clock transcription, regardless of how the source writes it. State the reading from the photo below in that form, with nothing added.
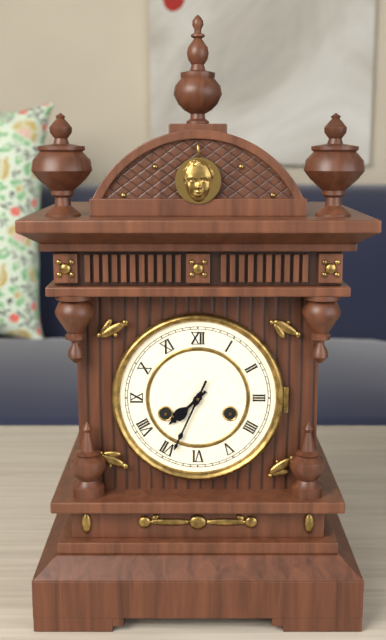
7h34
